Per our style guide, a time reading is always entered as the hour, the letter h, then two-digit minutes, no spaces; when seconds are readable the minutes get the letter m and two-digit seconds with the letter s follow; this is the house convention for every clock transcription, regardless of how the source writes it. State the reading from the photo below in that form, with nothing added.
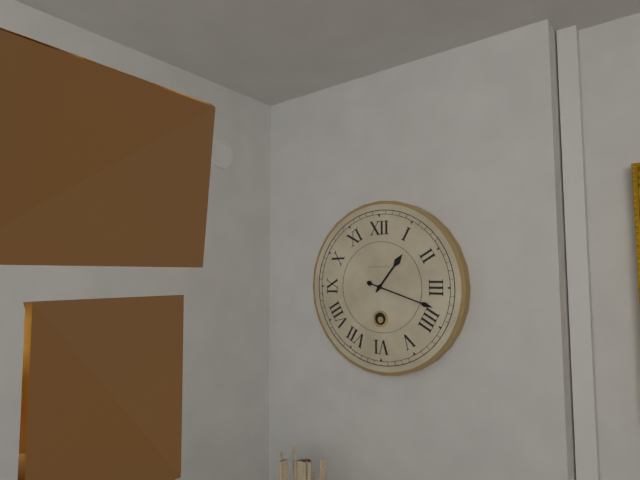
1h18
